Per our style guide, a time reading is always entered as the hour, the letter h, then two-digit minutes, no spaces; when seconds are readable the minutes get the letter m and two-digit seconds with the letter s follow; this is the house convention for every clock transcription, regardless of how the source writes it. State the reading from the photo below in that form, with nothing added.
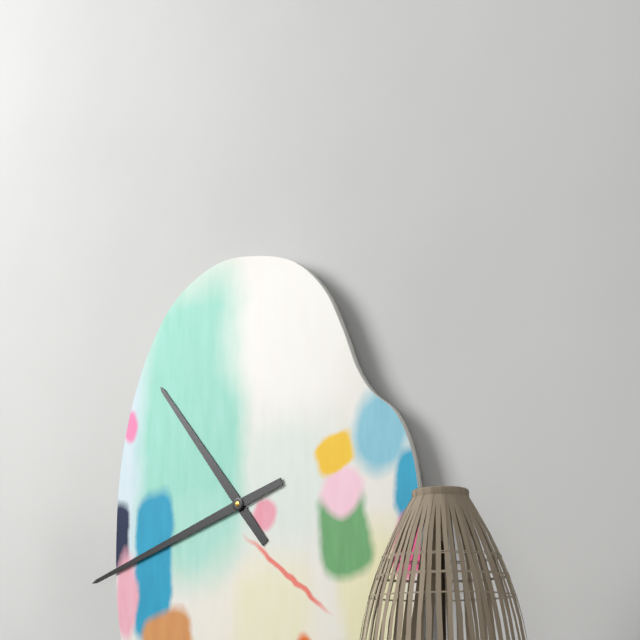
10h42
